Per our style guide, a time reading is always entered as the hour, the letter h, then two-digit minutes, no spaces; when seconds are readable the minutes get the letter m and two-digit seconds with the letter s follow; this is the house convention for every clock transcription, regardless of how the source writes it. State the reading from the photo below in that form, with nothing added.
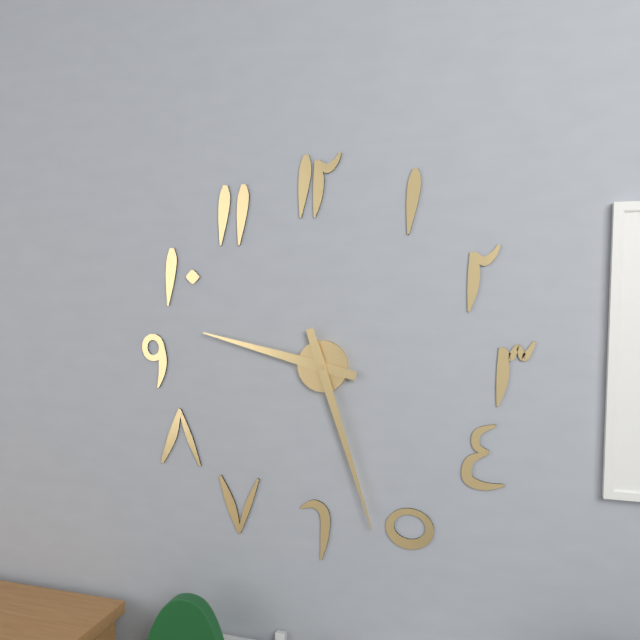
9h27
